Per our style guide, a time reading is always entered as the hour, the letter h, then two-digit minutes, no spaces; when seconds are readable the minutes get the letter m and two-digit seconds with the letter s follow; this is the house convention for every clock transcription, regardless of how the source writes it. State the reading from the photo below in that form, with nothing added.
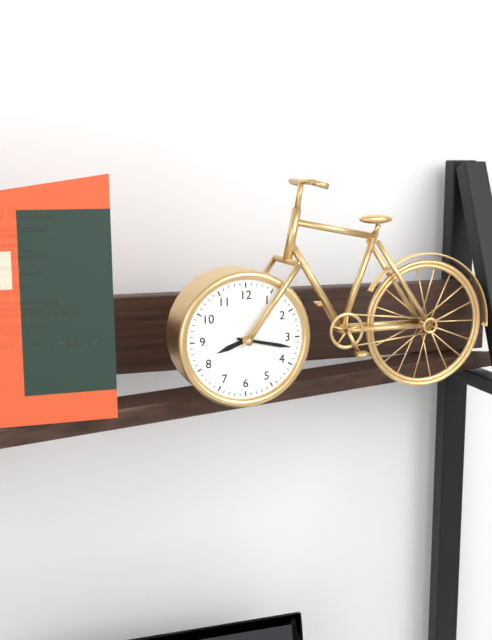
8h17
